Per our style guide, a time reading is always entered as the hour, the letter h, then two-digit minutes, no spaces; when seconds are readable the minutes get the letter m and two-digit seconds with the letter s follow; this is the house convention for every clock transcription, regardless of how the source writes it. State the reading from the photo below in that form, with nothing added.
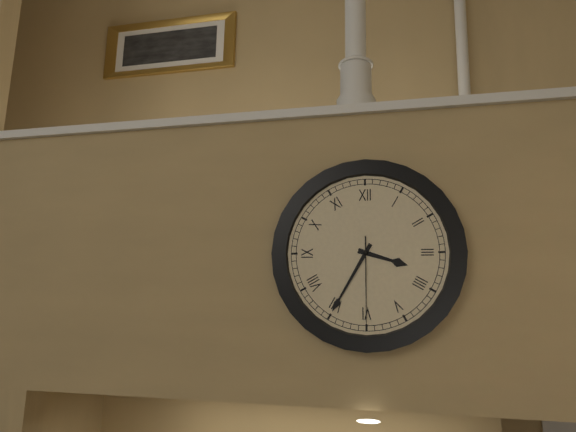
3h35m30s
